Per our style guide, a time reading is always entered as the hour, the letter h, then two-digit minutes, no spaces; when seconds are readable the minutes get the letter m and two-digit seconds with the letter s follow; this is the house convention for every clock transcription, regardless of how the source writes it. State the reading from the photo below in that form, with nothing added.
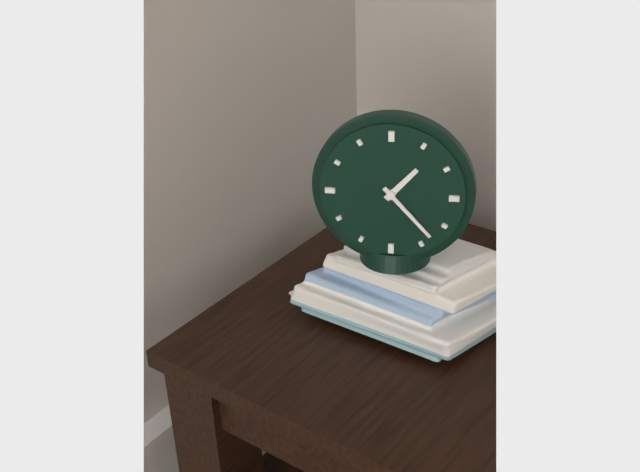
1h23
